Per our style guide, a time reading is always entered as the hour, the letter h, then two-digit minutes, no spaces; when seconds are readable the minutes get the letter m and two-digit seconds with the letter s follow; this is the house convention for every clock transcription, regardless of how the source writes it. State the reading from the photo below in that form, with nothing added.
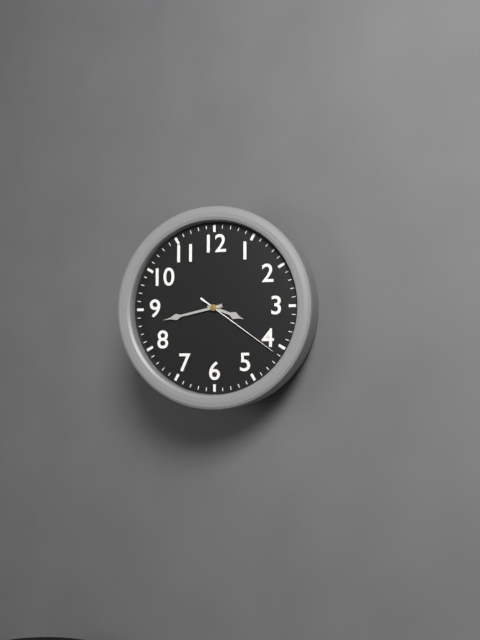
3h43m21s
